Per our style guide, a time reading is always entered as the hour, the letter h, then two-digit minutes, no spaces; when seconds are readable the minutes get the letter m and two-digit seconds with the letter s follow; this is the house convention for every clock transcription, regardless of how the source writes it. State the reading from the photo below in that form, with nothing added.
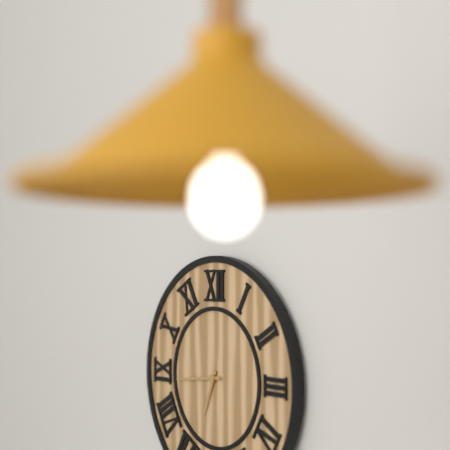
6h44
